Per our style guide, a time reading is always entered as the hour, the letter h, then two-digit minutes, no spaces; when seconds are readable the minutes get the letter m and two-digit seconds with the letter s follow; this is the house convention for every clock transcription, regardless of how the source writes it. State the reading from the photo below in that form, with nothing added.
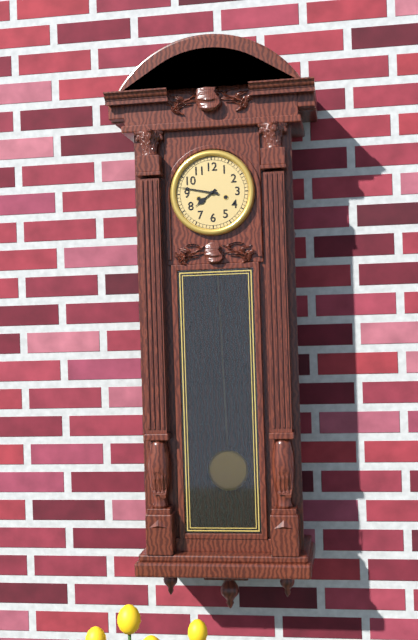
7h47
